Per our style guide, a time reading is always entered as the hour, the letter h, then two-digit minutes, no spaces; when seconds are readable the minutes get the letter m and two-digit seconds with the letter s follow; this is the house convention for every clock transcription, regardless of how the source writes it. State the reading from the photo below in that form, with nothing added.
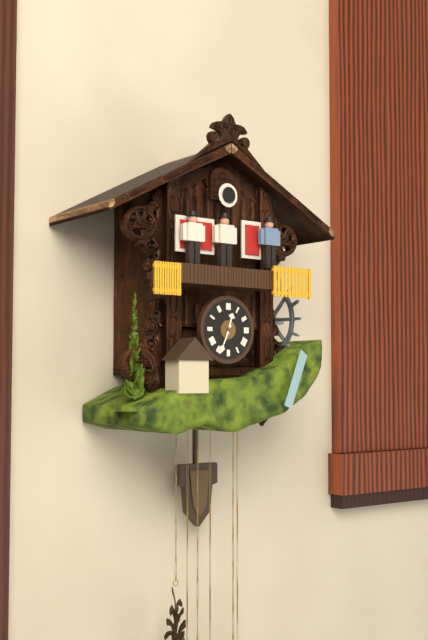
12h34
